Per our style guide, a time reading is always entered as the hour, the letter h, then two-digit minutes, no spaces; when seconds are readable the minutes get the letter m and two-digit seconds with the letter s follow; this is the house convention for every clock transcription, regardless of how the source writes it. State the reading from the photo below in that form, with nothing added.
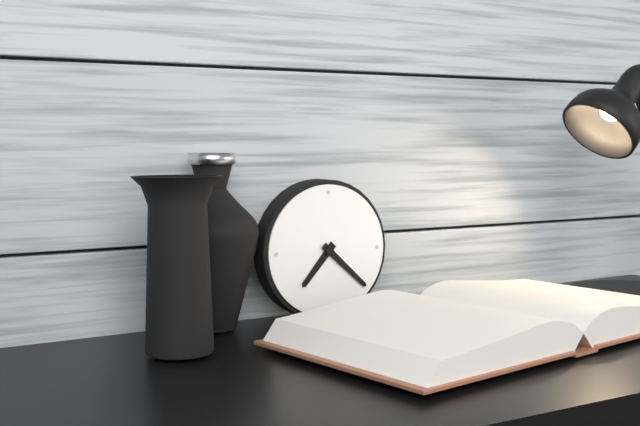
7h22
